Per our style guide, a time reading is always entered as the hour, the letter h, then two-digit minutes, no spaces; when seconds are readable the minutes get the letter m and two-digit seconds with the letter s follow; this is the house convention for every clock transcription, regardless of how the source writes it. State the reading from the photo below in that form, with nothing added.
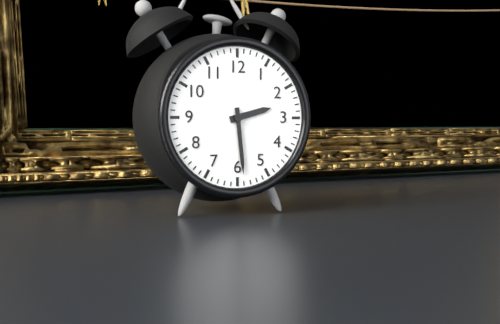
2h29
